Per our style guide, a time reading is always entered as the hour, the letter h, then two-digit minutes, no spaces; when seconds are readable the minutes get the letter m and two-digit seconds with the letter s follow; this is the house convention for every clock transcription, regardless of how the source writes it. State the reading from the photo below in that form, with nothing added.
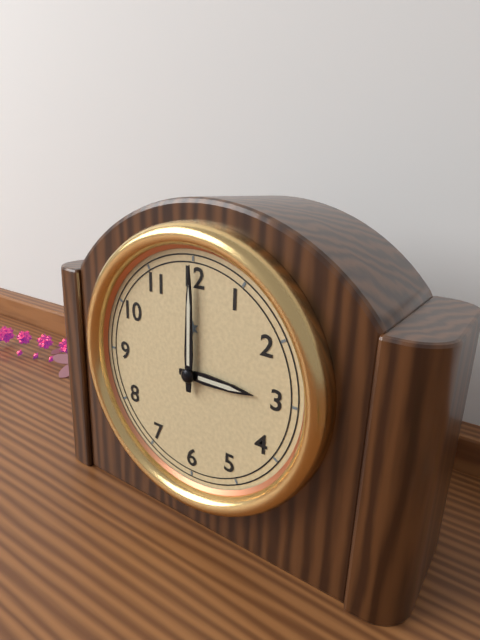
3h00
